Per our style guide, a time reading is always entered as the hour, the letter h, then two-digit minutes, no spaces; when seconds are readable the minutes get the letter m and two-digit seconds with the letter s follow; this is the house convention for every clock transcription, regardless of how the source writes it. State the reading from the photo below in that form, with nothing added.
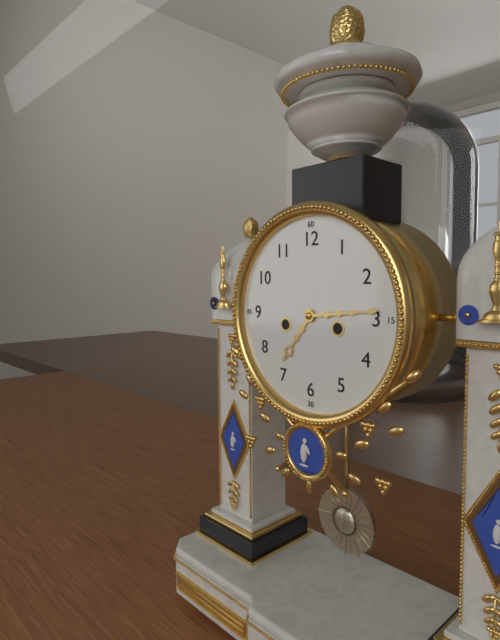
7h14
